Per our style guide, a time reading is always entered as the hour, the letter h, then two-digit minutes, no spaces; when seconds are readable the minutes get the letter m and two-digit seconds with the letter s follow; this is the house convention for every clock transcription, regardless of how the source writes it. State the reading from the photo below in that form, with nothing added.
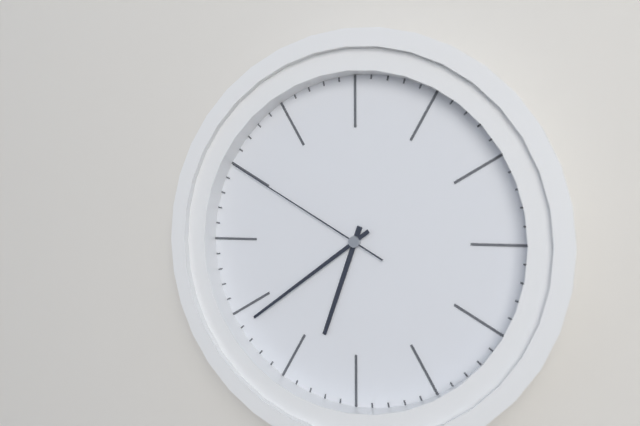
6h39m50s
